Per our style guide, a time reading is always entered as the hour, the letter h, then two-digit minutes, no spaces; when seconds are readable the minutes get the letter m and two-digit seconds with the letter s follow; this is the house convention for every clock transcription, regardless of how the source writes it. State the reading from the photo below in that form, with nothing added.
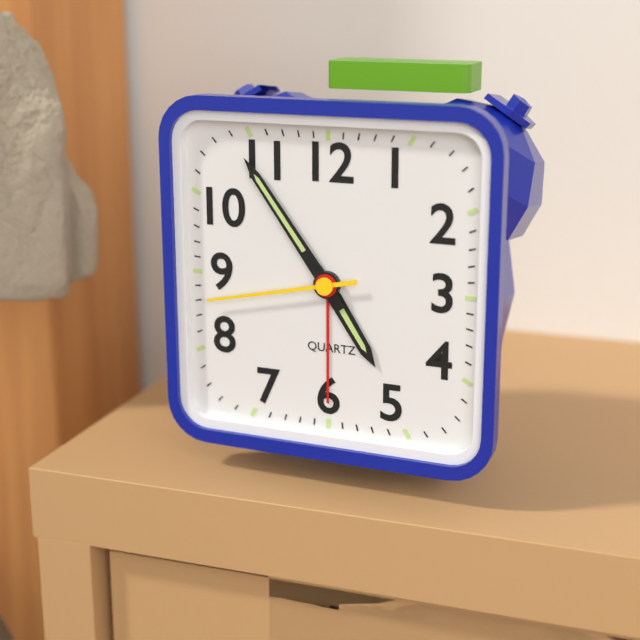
4h54m43s
